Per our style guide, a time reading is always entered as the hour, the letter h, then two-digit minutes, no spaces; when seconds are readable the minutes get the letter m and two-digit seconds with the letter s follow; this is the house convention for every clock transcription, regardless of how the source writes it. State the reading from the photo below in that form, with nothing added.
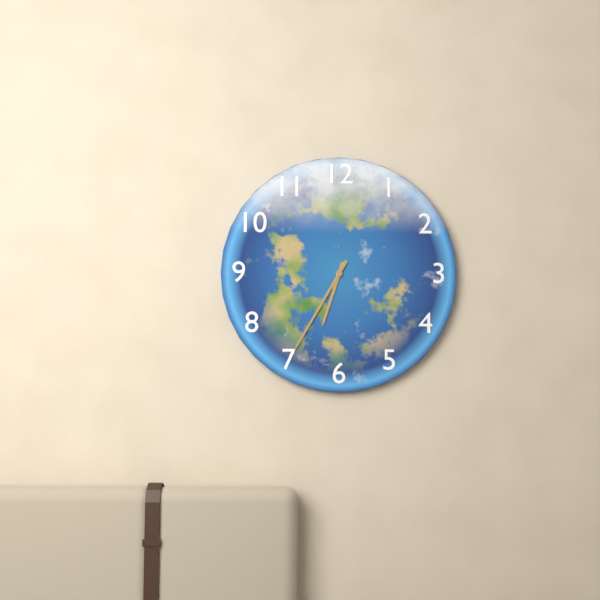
6h35
